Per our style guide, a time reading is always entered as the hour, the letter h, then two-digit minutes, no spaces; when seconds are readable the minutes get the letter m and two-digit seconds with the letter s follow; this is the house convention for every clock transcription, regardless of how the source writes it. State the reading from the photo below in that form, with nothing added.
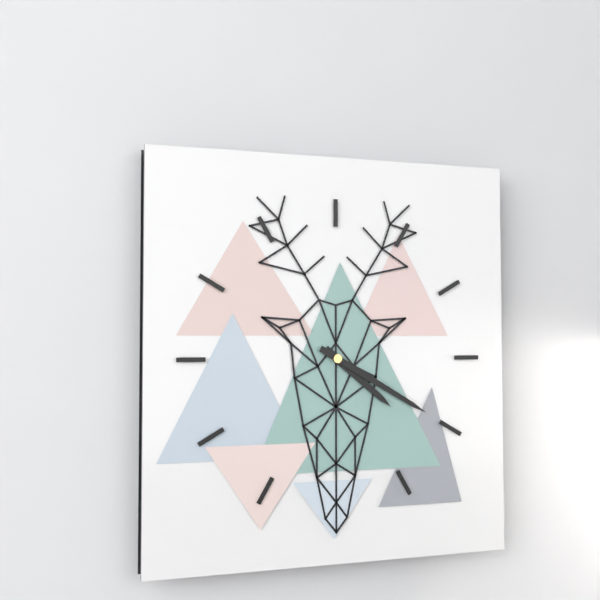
4h20
